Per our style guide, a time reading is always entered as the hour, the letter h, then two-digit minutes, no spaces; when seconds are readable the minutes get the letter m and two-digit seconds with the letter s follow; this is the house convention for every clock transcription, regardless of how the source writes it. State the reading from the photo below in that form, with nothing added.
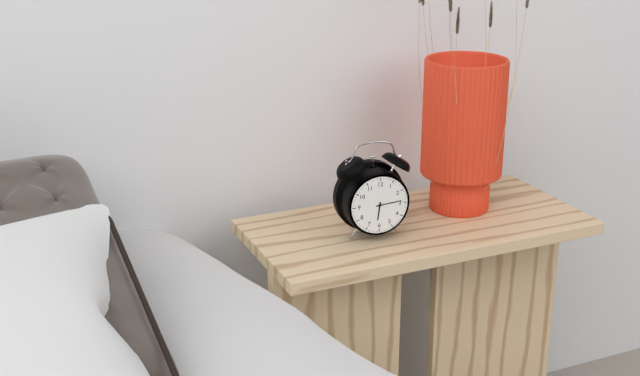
6h14
